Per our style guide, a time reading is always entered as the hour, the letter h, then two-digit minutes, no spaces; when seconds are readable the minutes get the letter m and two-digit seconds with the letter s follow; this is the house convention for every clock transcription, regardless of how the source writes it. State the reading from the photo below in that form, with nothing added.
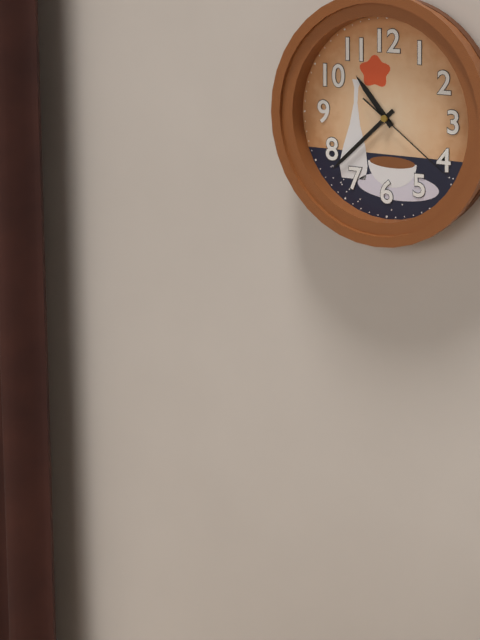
10h38m21s
